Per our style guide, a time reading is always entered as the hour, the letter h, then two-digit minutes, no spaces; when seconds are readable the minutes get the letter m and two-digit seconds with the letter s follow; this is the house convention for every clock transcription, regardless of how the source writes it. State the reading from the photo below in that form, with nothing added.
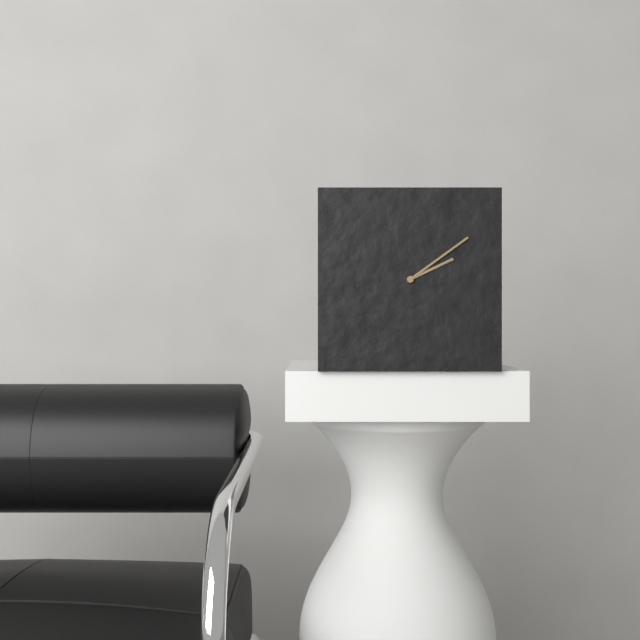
2h09
